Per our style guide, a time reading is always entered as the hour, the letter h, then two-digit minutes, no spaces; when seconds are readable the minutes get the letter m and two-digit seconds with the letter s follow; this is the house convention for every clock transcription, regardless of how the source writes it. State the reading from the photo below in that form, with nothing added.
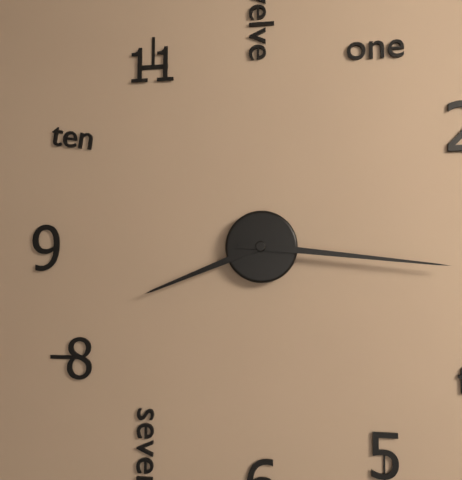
8h16
